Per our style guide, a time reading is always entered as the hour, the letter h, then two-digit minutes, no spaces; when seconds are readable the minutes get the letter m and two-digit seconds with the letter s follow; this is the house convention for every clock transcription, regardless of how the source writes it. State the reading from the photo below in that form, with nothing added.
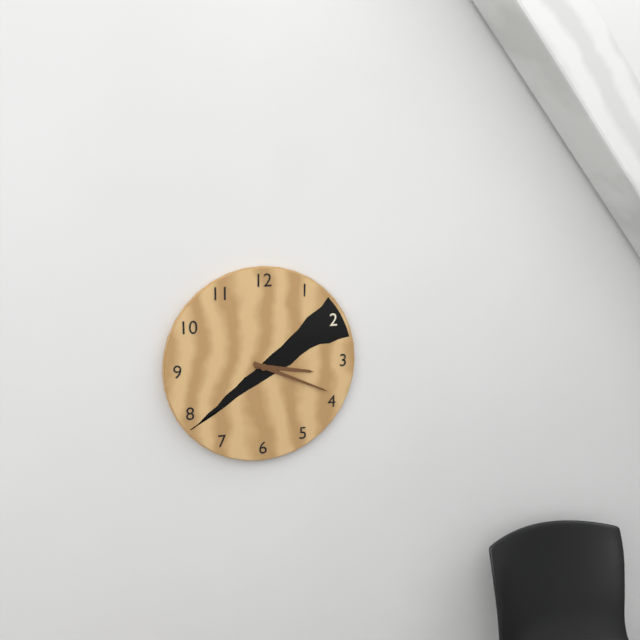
3h19
